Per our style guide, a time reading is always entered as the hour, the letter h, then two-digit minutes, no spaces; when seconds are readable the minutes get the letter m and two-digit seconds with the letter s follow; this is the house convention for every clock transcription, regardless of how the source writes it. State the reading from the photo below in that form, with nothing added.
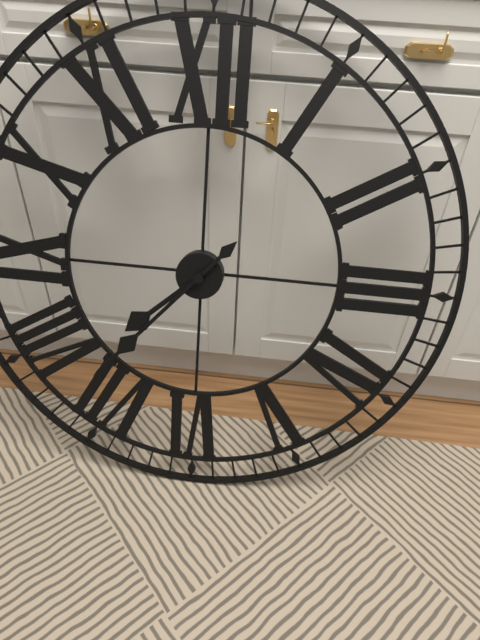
7h37
